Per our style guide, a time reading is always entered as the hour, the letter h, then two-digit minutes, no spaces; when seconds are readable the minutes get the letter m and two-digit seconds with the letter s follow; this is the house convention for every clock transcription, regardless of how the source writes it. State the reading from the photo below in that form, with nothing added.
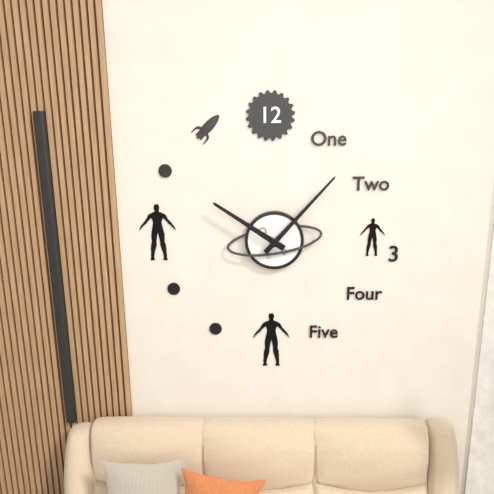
10h07
